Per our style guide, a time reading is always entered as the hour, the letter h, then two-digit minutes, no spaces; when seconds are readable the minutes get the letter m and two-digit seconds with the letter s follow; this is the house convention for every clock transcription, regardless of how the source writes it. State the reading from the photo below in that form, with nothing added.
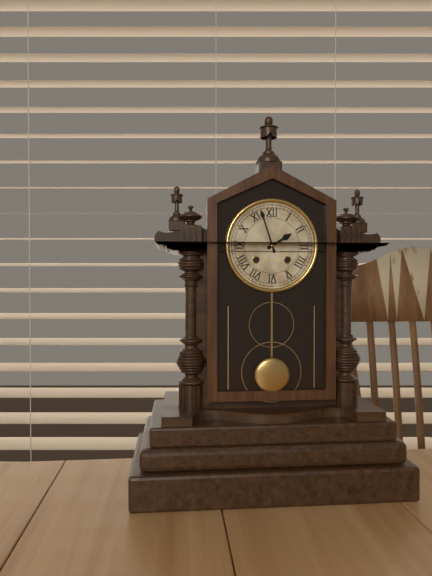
1h57
